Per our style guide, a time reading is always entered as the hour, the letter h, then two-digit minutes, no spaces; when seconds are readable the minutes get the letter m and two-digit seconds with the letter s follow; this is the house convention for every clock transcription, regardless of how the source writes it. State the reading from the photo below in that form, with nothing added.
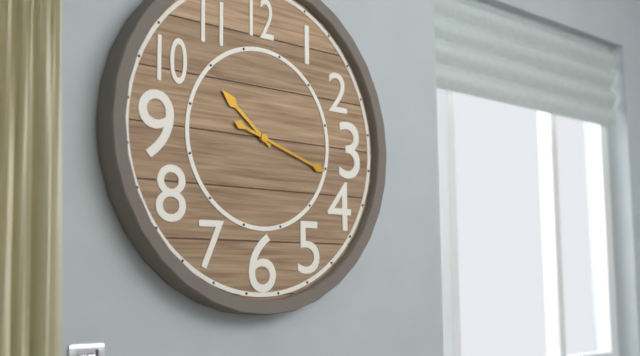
10h18
